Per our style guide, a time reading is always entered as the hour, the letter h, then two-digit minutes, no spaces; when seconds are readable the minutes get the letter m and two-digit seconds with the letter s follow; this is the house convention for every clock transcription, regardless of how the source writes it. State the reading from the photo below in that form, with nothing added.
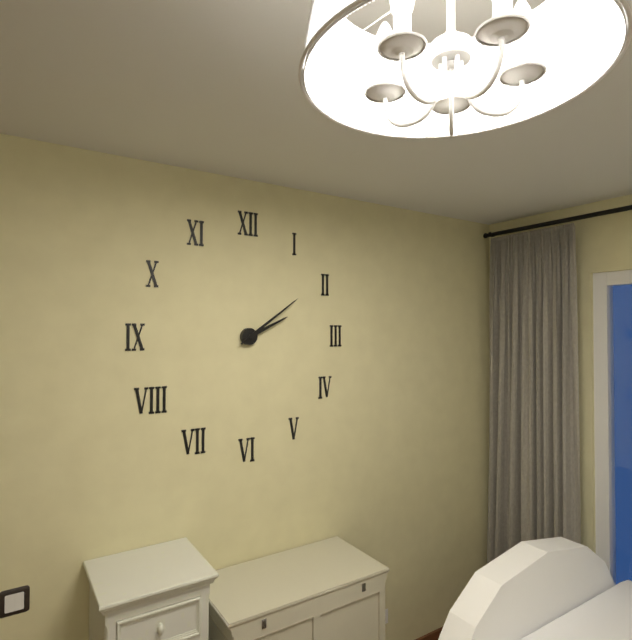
2h09
